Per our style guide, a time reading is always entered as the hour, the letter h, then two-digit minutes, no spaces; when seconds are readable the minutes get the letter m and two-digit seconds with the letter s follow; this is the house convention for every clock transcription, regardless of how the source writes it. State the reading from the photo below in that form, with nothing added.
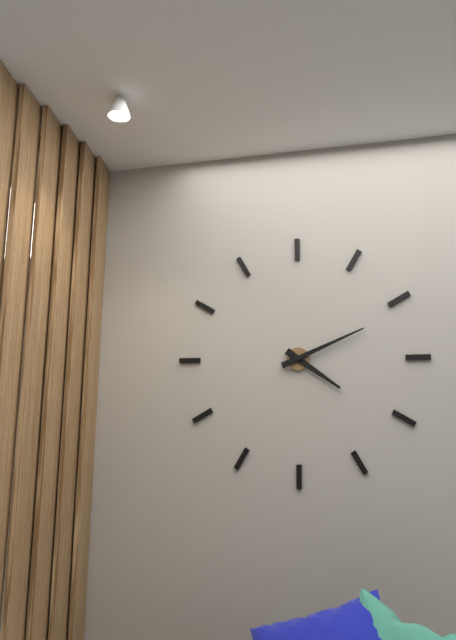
4h11
